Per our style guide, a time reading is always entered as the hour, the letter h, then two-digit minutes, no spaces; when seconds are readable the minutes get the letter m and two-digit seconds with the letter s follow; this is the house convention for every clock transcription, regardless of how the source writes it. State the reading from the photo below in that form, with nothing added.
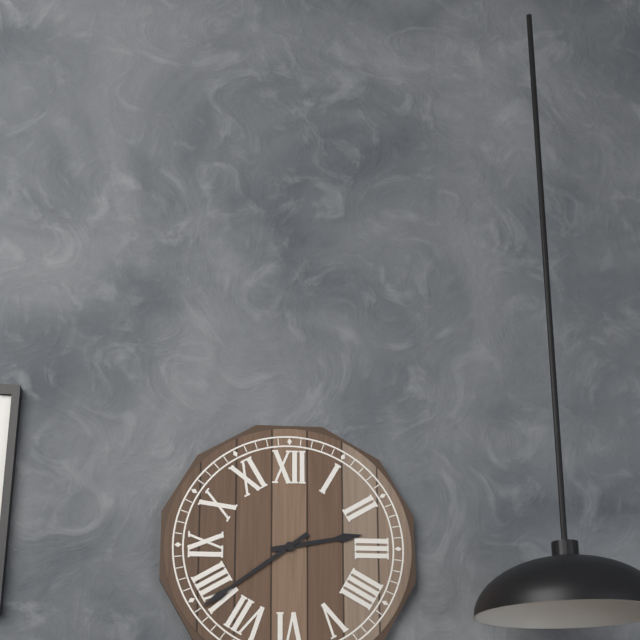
2h39
